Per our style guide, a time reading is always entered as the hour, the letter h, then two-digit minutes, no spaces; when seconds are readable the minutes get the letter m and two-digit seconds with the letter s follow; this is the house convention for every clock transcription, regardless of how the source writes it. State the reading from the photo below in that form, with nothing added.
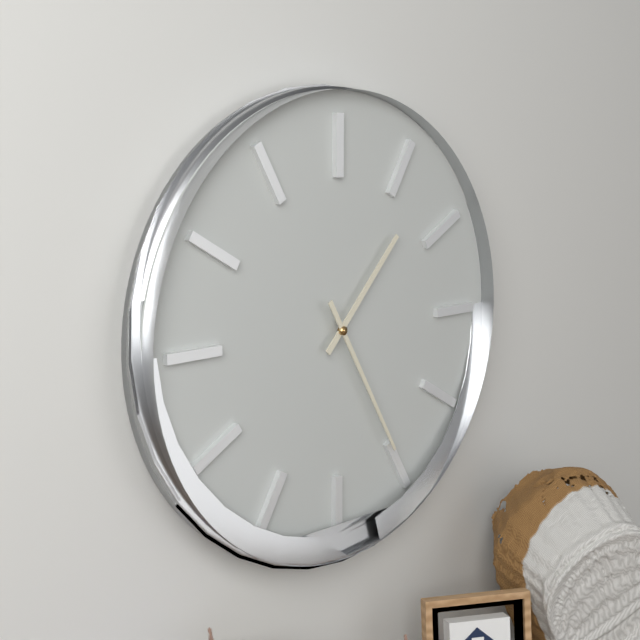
1h25
